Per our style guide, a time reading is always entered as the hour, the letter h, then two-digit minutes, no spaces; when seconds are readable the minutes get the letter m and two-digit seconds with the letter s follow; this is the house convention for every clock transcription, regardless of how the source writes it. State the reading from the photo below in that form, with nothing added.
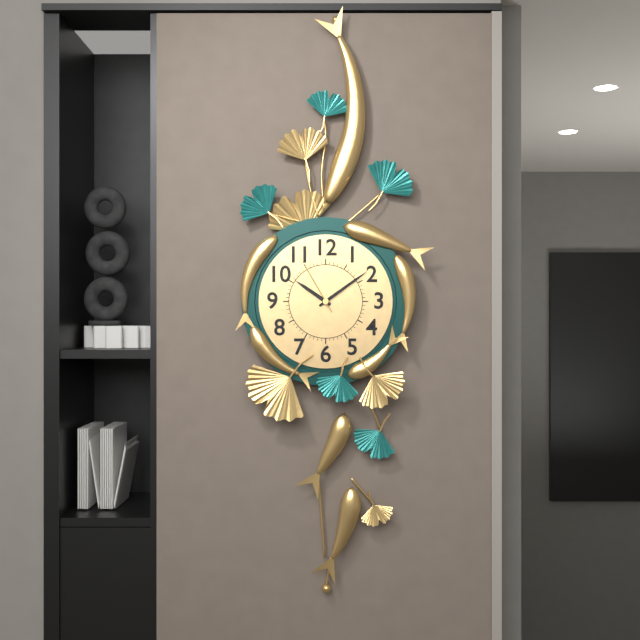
10h09m55s
